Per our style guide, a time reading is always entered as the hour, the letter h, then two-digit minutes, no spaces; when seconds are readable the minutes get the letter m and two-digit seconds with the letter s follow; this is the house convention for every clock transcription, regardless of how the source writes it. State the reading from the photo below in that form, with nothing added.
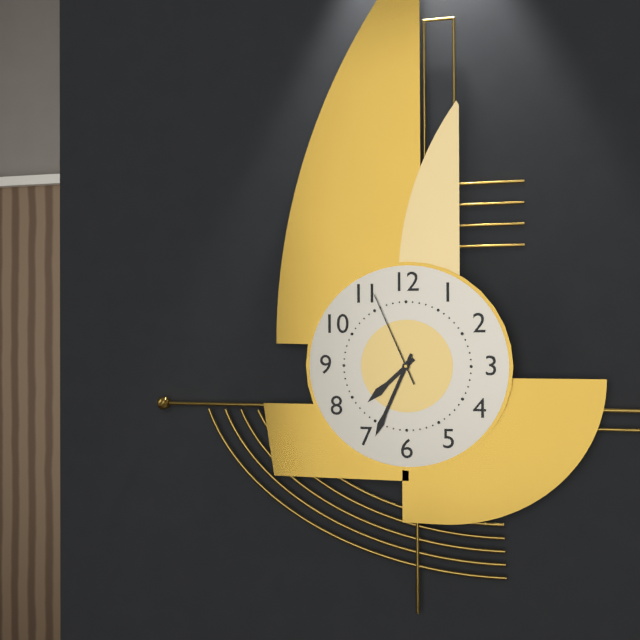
7h34m56s
